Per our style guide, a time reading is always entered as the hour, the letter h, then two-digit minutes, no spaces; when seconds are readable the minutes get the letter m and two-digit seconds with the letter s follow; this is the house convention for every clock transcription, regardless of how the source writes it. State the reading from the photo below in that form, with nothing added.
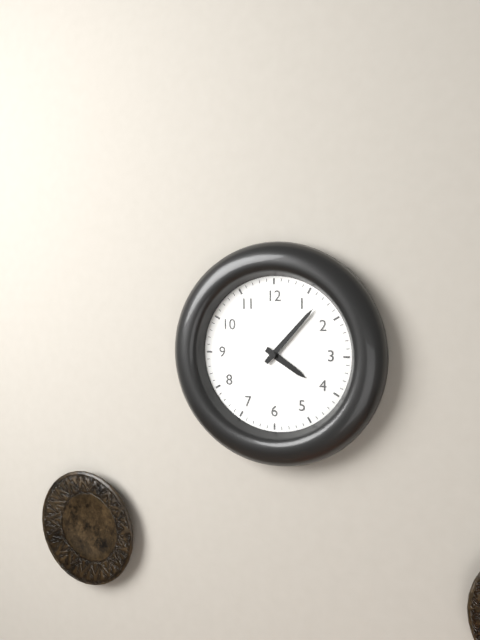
4h07
